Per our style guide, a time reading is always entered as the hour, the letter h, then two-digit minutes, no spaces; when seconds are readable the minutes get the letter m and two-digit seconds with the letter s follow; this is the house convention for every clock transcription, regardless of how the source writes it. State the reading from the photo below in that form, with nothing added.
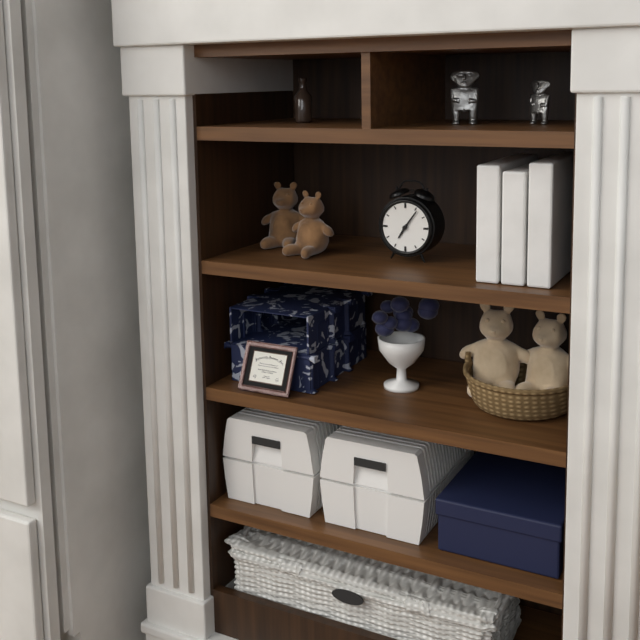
7h06
